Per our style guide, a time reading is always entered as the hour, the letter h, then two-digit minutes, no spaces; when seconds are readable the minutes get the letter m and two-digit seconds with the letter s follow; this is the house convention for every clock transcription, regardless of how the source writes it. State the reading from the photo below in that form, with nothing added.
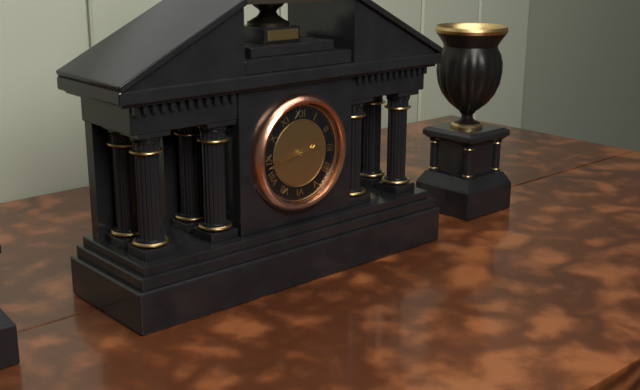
2h43
